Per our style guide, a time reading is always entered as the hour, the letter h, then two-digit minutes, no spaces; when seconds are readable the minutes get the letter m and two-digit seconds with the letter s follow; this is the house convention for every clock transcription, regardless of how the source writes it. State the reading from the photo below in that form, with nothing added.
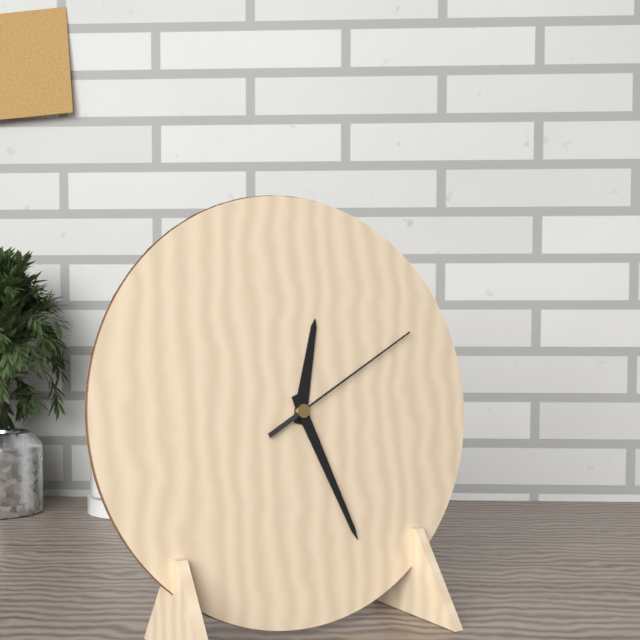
12h26m10s
